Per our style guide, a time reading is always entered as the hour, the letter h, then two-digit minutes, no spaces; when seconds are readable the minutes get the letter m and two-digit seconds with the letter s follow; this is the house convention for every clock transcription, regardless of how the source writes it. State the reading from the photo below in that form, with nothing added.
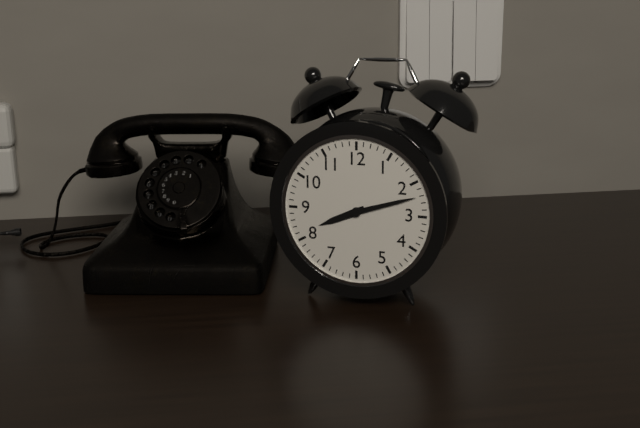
8h12
